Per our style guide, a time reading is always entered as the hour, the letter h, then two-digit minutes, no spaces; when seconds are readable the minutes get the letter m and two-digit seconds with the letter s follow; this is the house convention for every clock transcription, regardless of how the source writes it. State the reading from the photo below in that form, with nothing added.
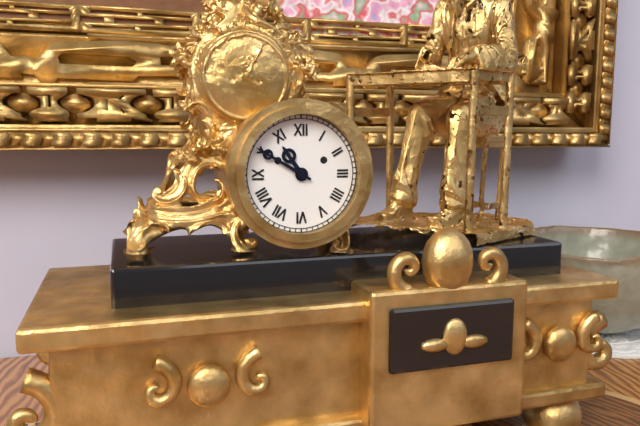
10h50
